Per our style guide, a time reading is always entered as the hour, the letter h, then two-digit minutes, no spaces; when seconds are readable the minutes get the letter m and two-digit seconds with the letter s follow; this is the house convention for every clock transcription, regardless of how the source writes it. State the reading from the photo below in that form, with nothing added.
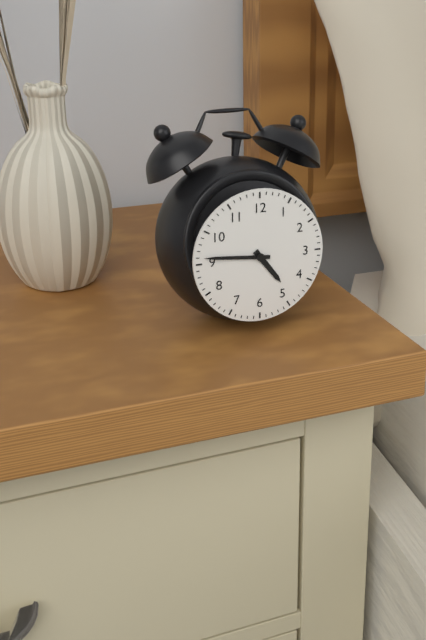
4h46
